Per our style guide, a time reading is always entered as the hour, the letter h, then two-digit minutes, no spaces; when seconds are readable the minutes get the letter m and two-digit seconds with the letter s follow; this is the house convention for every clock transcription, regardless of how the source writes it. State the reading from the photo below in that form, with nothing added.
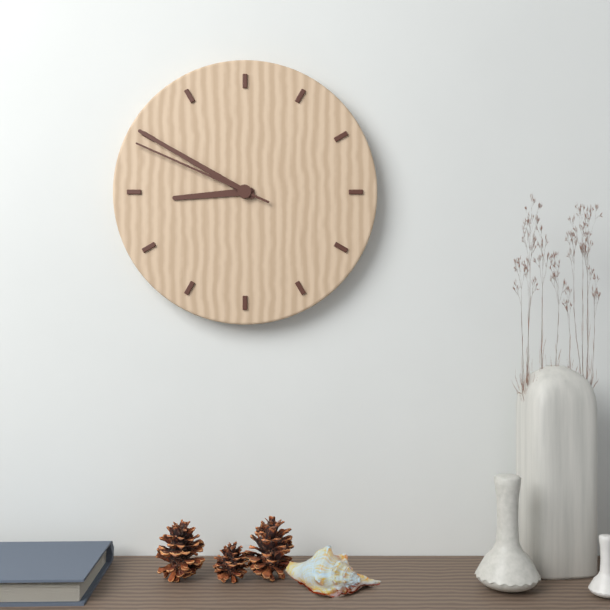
8h50m49s
